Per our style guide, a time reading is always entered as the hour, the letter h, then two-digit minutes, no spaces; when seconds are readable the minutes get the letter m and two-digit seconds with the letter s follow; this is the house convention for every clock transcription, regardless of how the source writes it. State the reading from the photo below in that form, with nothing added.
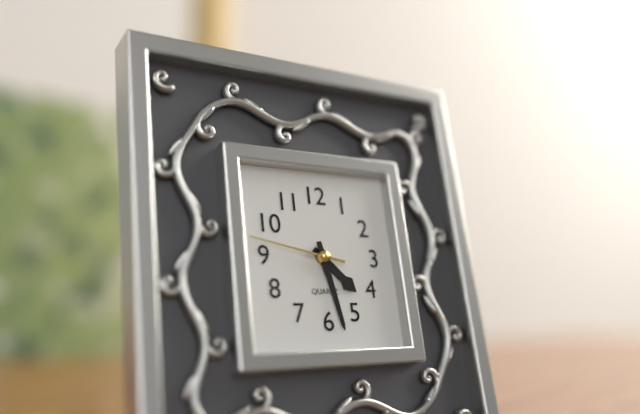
4h28m47s
